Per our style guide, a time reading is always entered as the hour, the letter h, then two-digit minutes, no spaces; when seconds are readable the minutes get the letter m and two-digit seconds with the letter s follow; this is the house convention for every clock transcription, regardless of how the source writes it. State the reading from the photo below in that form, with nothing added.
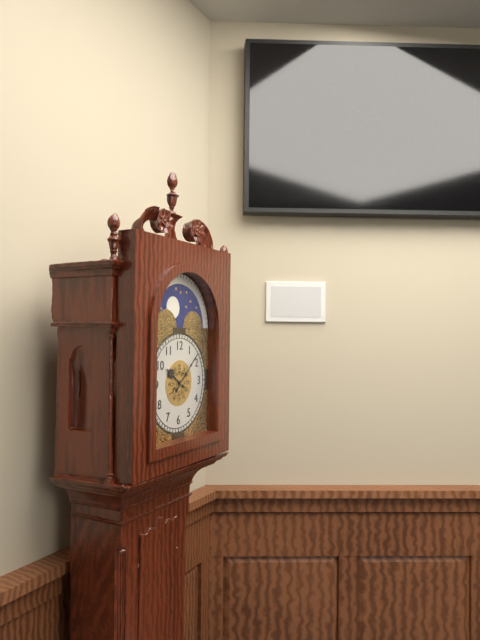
10h08
